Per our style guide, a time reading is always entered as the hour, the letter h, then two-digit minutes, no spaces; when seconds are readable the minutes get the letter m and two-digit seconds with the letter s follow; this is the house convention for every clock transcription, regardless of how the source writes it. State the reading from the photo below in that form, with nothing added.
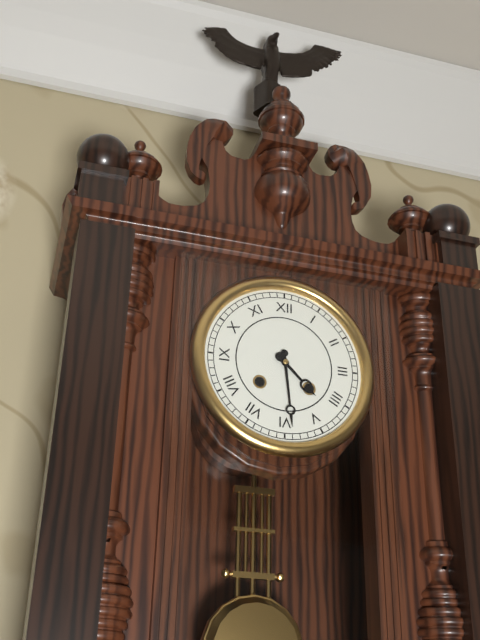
4h29
